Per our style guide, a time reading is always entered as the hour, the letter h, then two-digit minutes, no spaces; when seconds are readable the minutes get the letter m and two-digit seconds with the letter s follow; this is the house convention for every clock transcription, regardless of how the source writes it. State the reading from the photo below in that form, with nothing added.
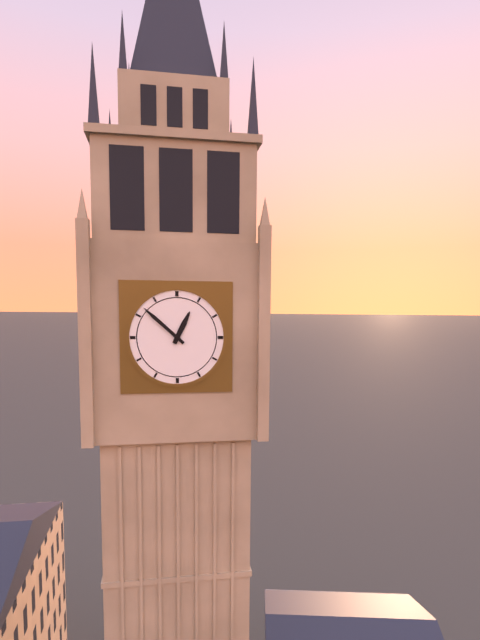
12h52
